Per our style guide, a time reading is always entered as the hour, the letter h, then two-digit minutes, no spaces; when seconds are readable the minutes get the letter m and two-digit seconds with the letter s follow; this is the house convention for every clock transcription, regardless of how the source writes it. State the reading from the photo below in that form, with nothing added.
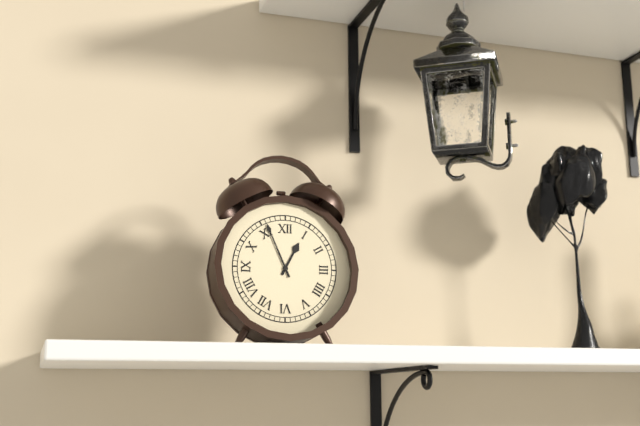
12h56
